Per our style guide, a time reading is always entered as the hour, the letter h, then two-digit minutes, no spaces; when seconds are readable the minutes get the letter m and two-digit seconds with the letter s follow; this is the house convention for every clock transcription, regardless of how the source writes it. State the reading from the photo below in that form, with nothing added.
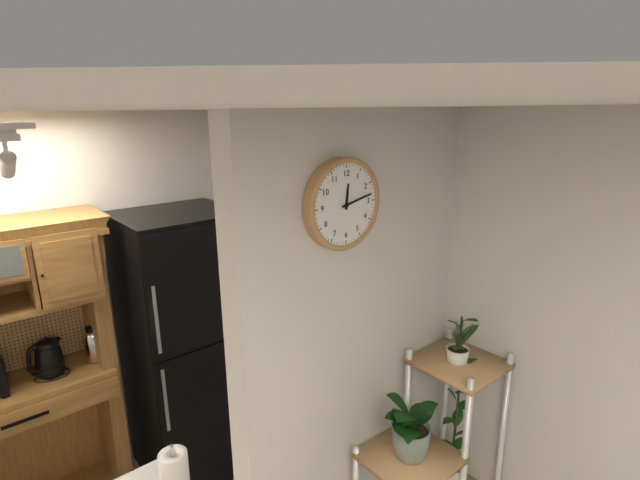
12h13
